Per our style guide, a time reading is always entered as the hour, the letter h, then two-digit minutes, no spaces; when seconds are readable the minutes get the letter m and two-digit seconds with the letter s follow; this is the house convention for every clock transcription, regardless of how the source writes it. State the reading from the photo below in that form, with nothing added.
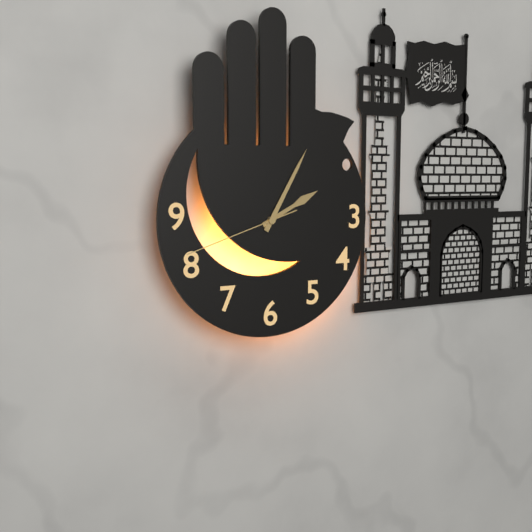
2h05m42s
